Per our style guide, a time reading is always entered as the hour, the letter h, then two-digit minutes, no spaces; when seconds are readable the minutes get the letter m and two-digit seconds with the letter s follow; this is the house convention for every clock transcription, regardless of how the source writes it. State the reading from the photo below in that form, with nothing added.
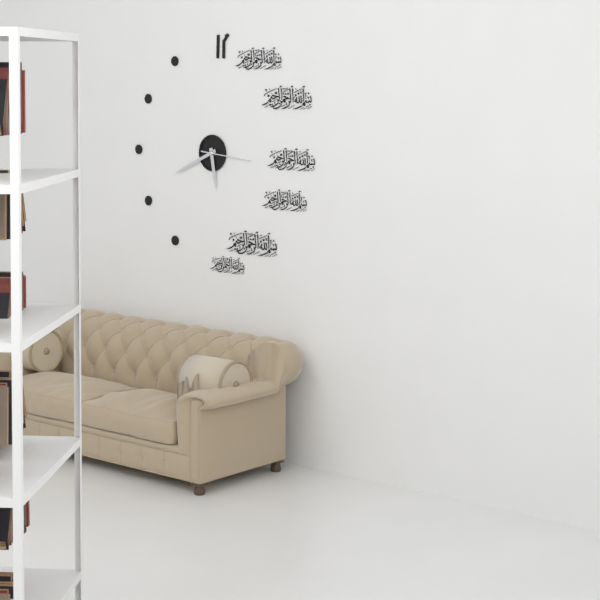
5h41m16s
